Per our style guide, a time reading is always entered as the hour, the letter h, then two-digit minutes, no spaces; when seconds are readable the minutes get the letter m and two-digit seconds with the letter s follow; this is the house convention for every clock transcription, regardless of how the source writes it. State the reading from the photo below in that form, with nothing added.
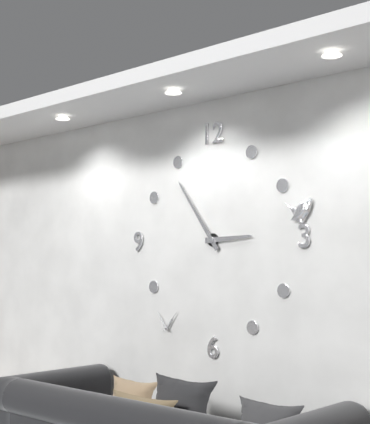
2h54
